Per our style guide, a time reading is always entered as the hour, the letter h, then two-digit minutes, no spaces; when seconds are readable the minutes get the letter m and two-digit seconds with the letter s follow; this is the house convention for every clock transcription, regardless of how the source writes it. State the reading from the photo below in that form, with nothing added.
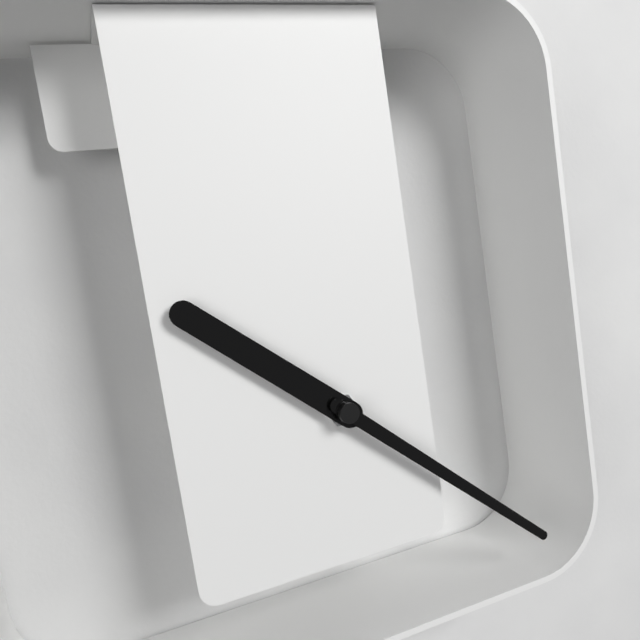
10h22
